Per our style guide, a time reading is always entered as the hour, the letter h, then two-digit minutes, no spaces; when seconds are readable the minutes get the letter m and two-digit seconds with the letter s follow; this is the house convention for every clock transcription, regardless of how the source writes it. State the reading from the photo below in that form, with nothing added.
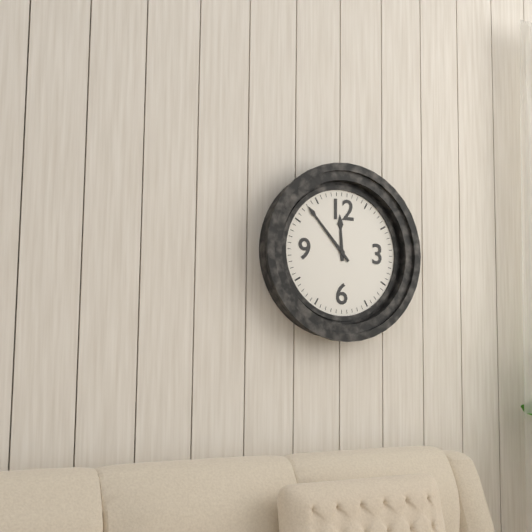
11h53
